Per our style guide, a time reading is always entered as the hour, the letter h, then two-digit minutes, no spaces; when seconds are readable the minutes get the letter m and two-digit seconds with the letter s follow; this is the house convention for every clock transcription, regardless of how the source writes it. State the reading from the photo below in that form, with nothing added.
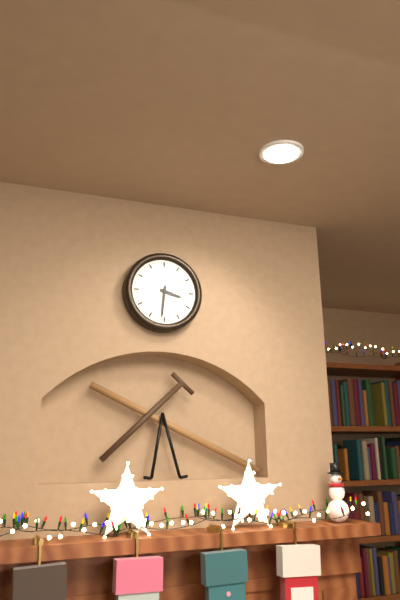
3h31
